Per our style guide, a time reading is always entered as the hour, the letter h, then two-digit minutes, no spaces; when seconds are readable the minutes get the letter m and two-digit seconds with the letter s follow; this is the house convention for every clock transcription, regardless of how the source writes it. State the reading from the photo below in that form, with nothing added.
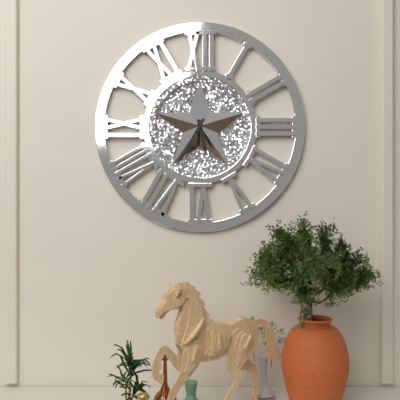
5h35
